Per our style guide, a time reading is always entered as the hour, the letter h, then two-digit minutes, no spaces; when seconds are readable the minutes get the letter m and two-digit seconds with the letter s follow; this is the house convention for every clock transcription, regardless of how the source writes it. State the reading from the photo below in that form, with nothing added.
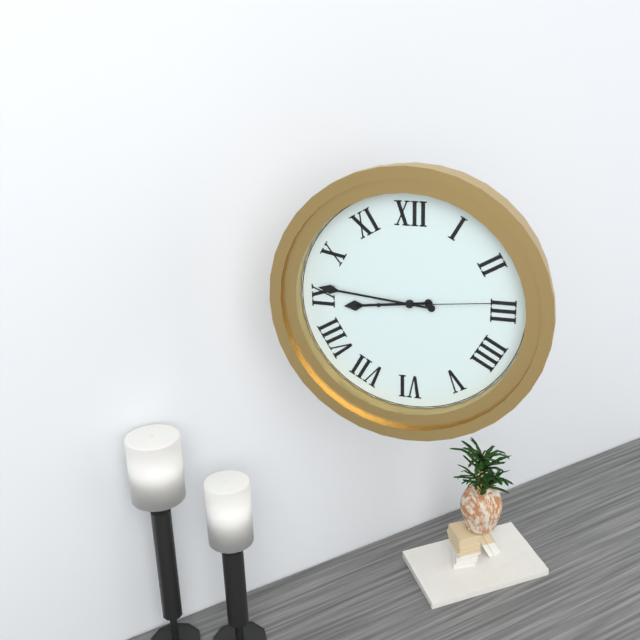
8h46m14s
